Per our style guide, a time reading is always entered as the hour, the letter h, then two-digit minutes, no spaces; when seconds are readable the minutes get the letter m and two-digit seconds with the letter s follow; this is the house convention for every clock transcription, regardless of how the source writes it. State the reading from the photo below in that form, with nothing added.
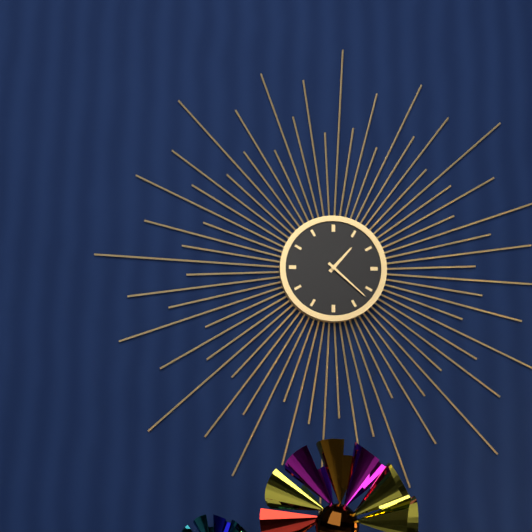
1h22
